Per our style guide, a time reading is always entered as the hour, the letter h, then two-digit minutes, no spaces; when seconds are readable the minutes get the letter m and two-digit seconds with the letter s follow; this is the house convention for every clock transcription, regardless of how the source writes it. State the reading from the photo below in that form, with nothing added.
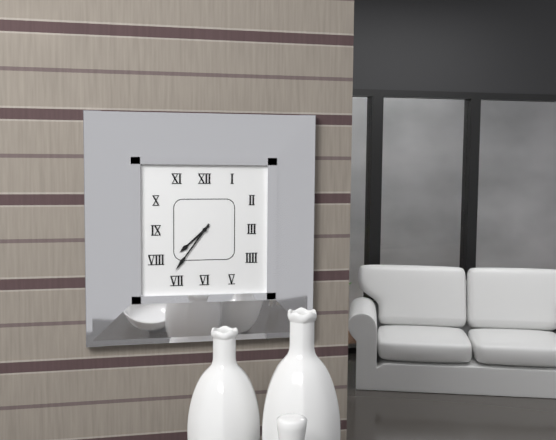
7h36
